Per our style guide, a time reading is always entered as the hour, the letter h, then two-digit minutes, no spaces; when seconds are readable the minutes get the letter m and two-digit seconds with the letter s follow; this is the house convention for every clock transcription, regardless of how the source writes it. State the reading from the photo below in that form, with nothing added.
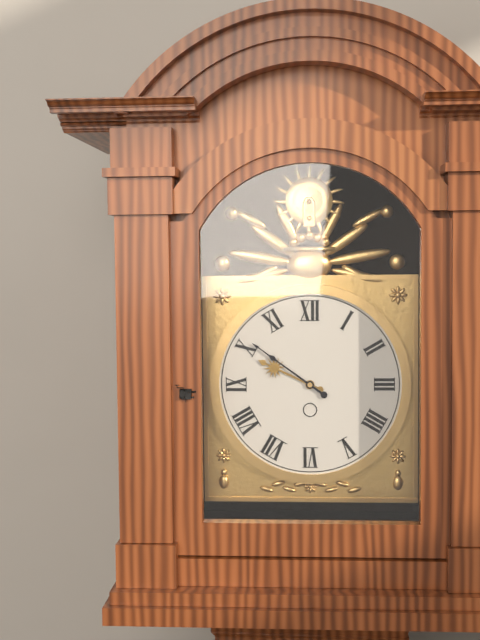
9h51
